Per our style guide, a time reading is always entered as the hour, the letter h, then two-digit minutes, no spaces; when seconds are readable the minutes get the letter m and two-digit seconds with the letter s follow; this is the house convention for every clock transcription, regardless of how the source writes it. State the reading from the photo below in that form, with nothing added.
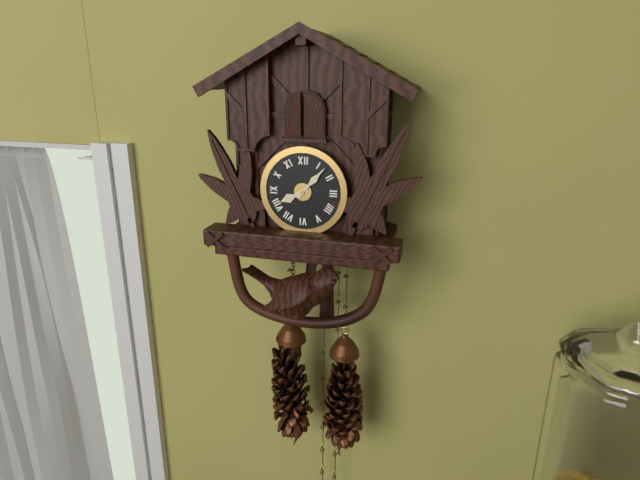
8h07
